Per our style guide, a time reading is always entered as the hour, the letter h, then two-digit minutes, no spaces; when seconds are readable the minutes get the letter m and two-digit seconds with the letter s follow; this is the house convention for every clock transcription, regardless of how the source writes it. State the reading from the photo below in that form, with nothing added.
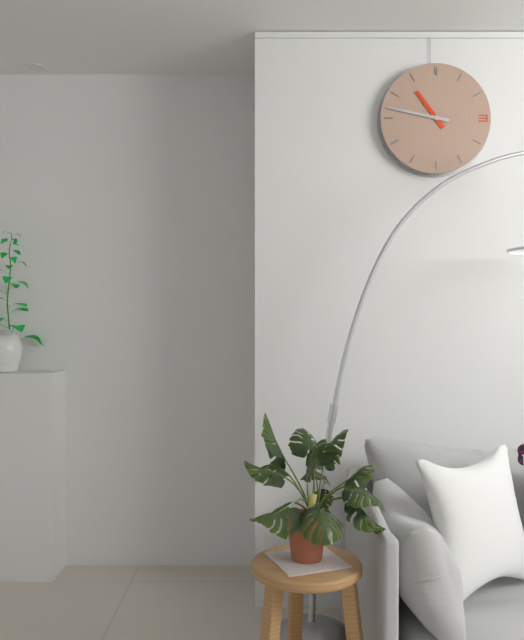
10h47
